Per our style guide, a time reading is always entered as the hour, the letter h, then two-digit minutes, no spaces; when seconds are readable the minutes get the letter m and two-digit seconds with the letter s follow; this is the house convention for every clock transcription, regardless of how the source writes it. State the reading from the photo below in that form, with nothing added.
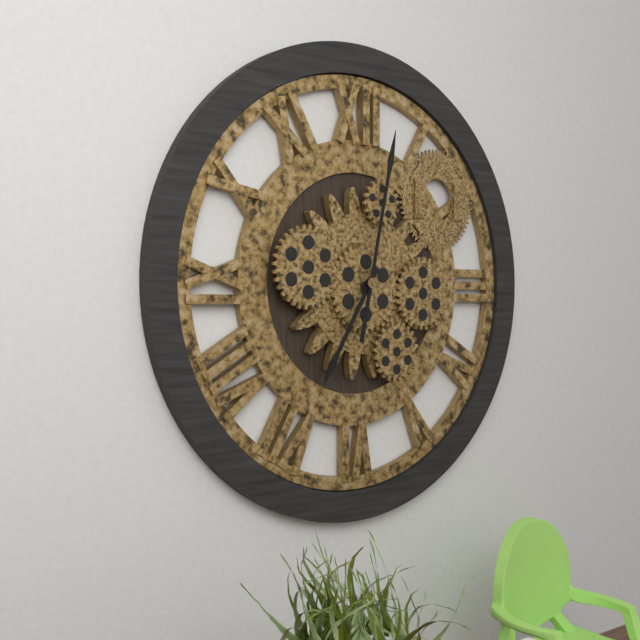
7h02
